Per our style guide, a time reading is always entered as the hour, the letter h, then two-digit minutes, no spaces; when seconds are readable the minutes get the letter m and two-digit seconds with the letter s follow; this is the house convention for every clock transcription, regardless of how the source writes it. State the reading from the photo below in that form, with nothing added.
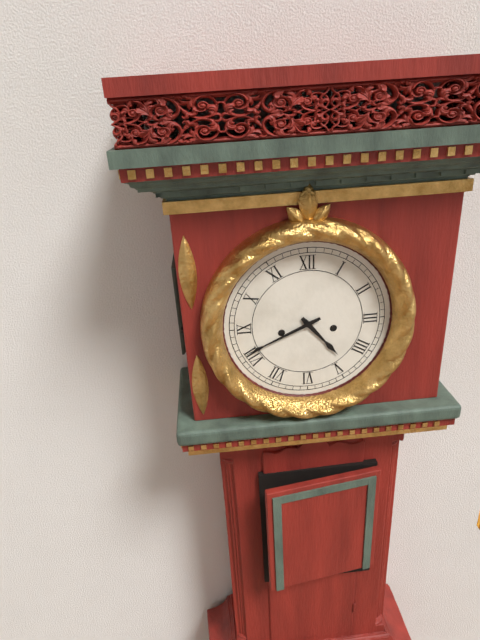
4h41
